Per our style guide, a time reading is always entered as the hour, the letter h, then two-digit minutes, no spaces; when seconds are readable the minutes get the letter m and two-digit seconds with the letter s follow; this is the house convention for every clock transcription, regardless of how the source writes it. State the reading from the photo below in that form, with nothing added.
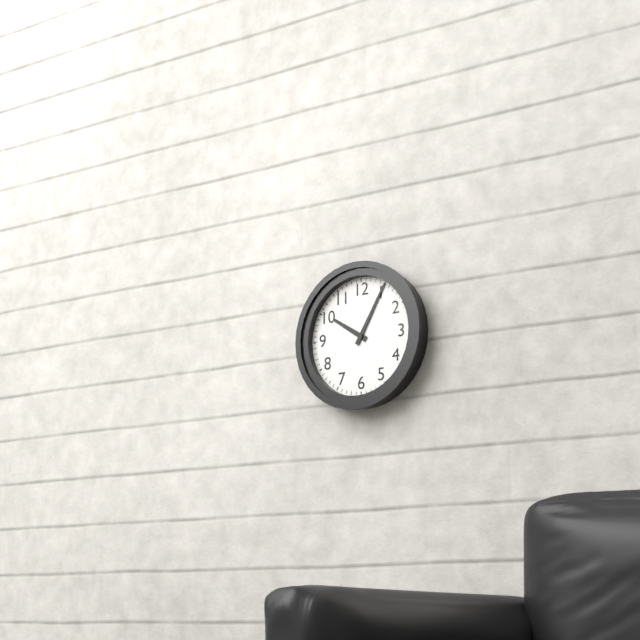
10h05
